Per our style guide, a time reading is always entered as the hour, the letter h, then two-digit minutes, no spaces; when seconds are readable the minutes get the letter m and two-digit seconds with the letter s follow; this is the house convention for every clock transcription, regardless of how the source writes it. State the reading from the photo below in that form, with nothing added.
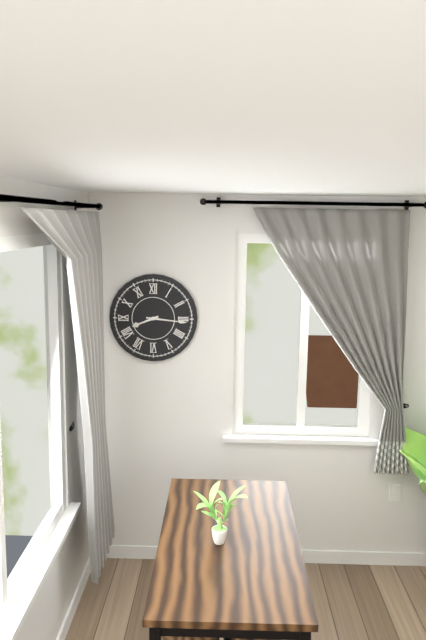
8h16
